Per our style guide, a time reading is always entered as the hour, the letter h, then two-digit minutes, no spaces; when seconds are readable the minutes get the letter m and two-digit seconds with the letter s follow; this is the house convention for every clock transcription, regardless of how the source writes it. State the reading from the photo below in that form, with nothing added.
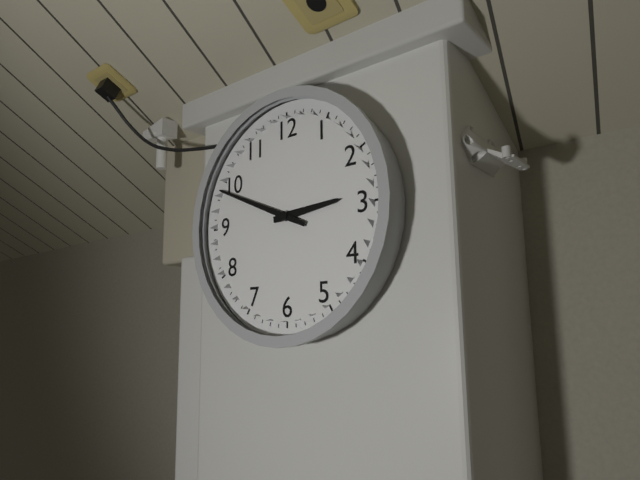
2h49
